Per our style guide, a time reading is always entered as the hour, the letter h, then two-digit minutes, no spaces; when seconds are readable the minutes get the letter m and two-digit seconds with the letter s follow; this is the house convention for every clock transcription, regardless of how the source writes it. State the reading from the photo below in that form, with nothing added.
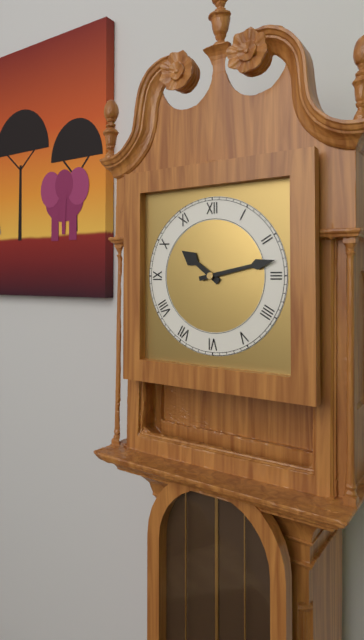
10h13
